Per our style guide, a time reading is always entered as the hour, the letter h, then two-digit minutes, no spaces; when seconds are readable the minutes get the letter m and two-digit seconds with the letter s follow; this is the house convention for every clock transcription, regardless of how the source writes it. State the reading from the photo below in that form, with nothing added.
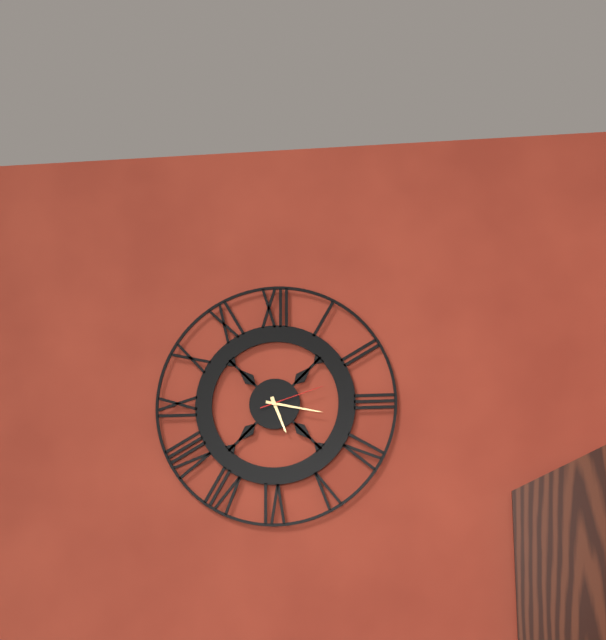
5h17m12s
